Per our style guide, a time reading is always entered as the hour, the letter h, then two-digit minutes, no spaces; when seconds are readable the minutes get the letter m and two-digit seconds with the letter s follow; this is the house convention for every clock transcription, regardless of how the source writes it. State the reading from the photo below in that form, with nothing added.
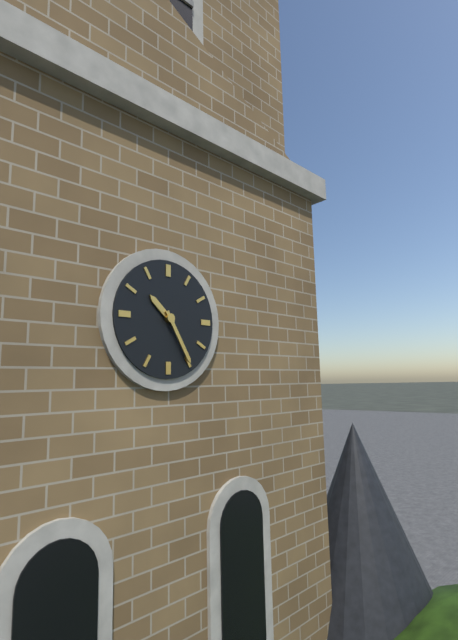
10h25
